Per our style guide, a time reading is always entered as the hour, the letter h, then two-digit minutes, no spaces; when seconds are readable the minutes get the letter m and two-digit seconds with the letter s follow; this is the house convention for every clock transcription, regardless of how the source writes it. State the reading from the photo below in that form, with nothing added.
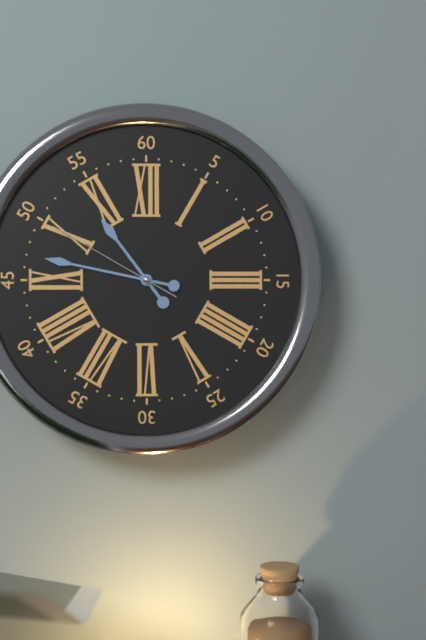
10h47m50s
